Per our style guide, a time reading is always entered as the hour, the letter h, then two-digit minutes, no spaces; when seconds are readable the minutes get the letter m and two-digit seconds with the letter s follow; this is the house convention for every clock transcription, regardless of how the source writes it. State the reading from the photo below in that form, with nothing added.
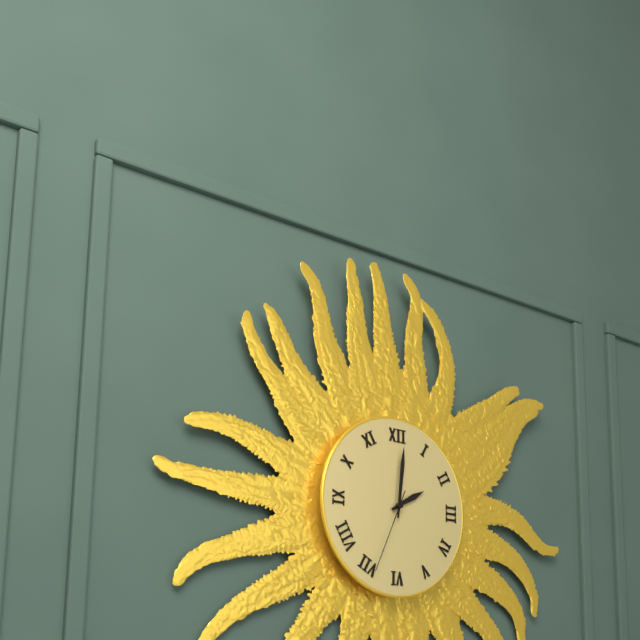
2h01m34s
